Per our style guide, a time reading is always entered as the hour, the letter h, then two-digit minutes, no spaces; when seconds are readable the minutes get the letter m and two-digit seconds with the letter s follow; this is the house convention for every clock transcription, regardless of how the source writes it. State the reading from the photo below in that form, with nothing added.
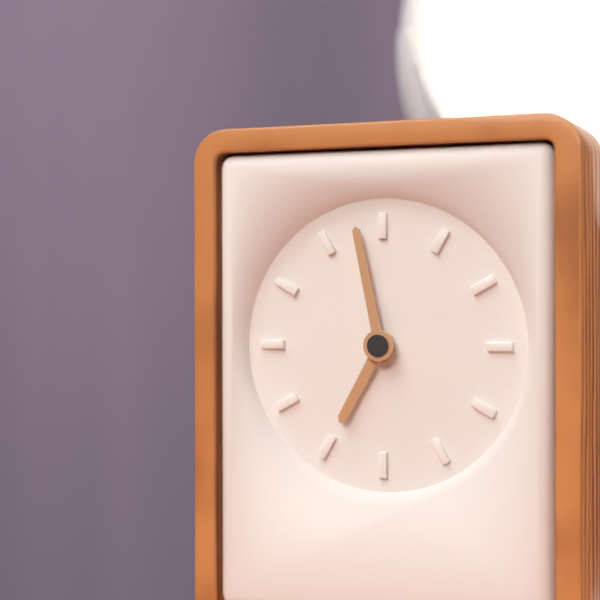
6h58
